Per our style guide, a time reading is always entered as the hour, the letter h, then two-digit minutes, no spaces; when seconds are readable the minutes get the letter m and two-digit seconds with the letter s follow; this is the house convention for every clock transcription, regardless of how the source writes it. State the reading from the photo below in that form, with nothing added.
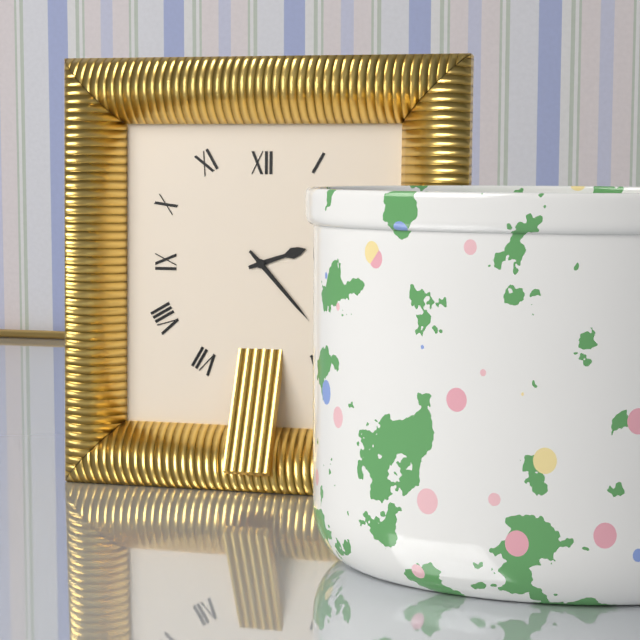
2h23
